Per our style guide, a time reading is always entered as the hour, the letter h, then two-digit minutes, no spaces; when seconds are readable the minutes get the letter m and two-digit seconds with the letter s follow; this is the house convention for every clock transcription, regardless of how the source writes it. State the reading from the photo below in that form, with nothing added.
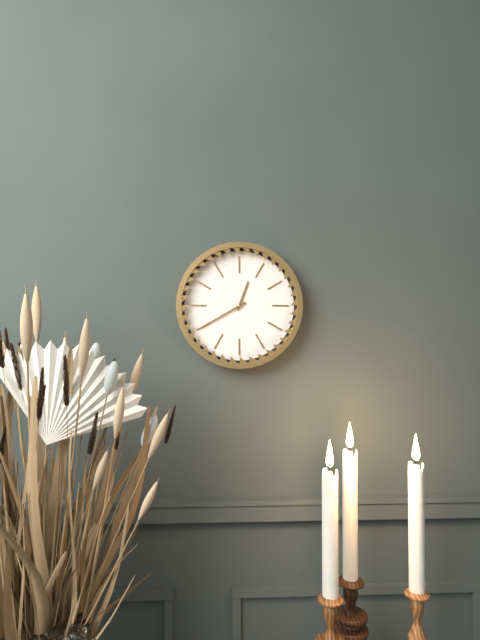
12h40
